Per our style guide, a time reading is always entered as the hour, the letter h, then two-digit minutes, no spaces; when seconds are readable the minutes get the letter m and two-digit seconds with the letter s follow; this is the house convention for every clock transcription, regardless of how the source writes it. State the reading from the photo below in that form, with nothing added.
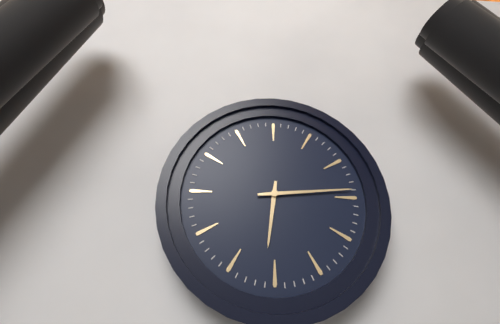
6h14
